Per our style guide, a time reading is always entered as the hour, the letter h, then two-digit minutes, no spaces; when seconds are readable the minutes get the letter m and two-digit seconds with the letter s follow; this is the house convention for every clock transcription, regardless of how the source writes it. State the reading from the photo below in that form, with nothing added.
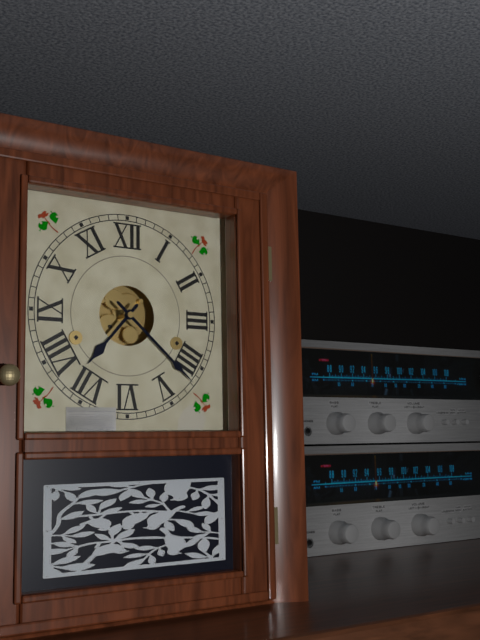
7h22
